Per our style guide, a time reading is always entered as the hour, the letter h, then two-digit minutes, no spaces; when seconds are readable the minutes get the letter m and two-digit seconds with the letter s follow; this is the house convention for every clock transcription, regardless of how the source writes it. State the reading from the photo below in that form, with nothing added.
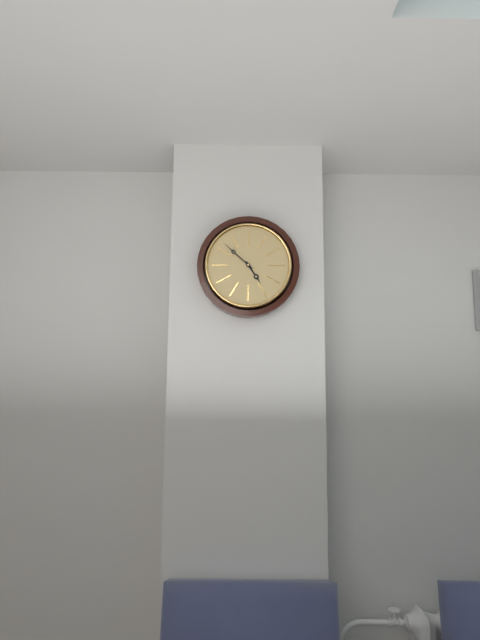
4h52
